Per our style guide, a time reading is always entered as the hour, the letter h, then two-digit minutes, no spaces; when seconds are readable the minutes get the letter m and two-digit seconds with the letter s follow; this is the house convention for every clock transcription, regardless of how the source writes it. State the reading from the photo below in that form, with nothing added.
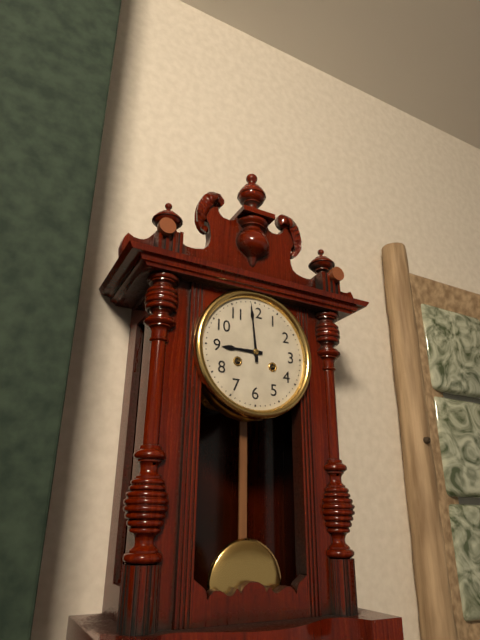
8h59
